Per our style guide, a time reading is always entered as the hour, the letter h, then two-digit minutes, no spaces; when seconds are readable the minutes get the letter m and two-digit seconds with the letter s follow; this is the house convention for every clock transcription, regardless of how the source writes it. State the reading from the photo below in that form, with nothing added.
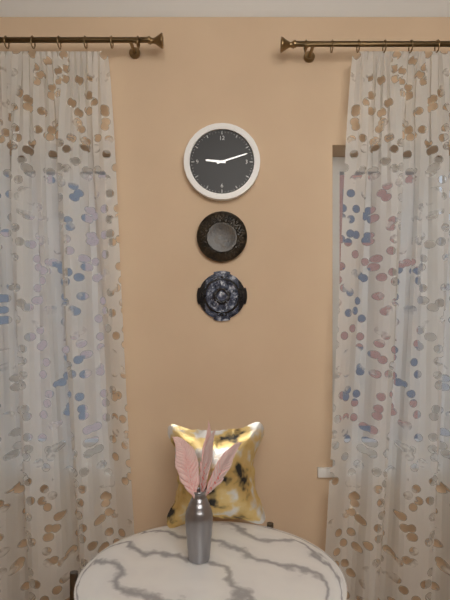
9h12
